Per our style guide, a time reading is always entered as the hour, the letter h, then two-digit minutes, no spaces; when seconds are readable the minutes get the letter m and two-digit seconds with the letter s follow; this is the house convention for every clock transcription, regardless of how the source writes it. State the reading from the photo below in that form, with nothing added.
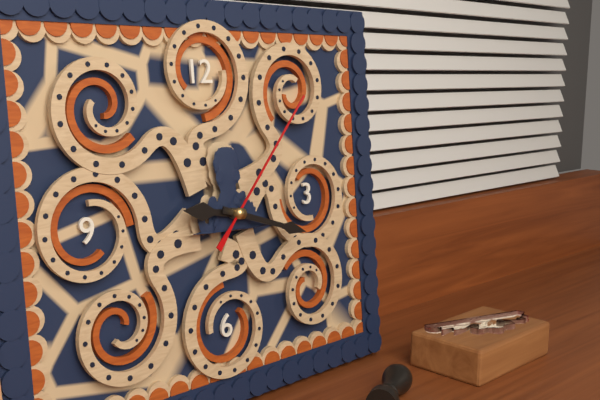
9h18m07s
